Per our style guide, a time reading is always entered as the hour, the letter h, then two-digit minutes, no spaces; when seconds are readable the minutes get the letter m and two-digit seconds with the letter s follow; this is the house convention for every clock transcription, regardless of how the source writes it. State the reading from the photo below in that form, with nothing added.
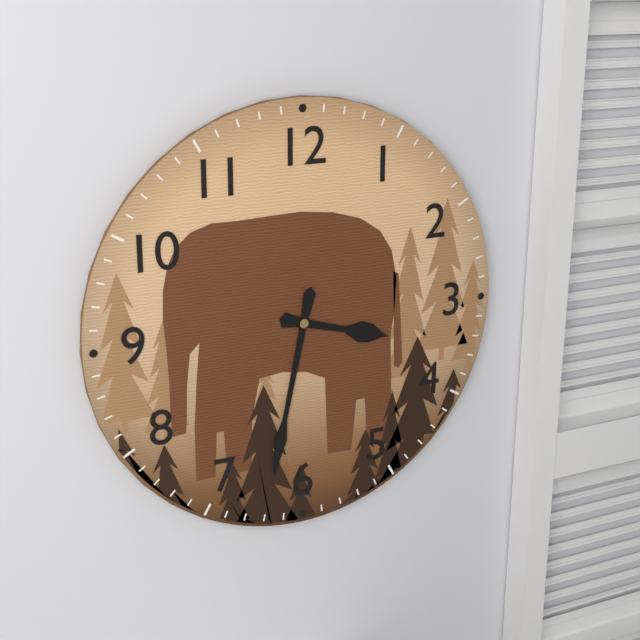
3h32
